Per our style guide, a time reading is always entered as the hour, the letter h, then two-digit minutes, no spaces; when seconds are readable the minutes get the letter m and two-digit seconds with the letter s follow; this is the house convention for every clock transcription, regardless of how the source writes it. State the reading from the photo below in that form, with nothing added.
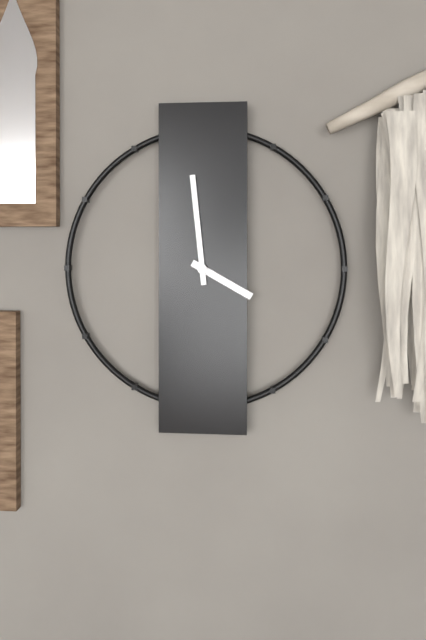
3h59
